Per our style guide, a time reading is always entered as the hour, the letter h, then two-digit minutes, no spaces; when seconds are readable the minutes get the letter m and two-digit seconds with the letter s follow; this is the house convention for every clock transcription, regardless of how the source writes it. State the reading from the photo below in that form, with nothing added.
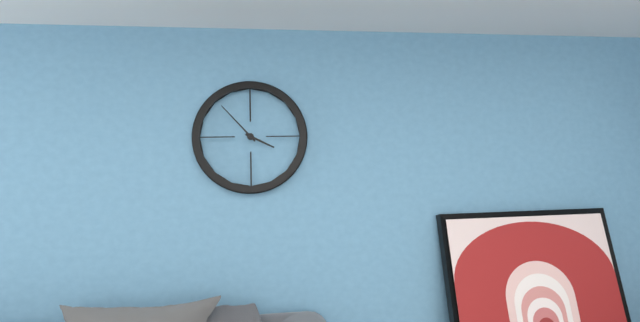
3h53
